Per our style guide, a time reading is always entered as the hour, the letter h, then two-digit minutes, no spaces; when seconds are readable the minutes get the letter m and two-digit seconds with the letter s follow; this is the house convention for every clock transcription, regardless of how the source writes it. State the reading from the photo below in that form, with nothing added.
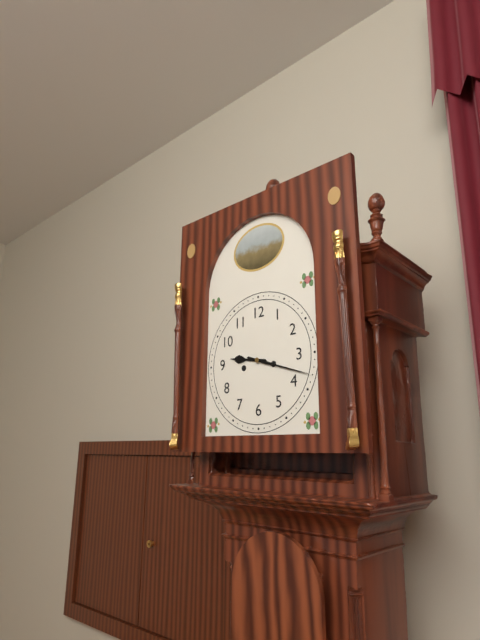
9h18
